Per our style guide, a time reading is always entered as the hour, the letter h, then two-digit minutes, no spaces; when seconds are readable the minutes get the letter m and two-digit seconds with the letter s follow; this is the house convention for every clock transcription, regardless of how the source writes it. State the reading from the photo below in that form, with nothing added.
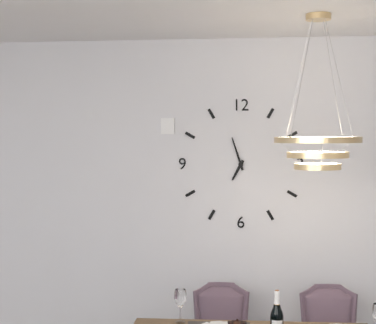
6h57
